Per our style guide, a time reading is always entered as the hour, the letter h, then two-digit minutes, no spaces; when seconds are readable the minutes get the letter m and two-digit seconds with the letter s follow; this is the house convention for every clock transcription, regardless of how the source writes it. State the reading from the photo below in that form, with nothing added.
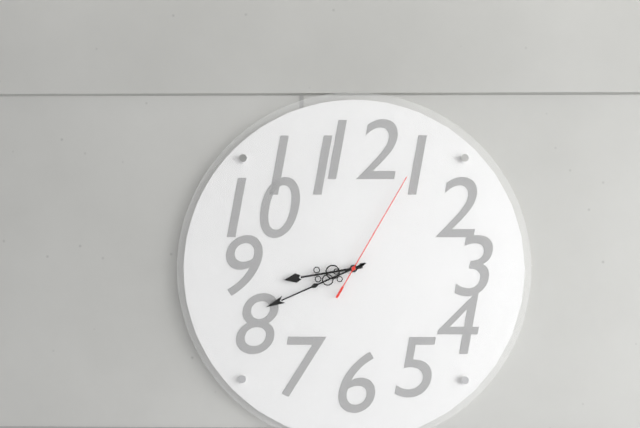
8h41m05s
